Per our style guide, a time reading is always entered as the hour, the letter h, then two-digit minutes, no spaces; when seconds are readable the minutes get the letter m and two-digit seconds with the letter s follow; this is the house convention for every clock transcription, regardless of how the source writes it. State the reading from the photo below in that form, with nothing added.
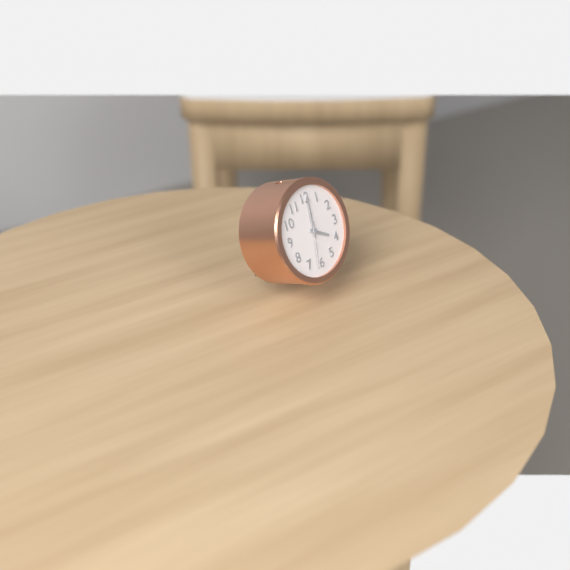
4h01
